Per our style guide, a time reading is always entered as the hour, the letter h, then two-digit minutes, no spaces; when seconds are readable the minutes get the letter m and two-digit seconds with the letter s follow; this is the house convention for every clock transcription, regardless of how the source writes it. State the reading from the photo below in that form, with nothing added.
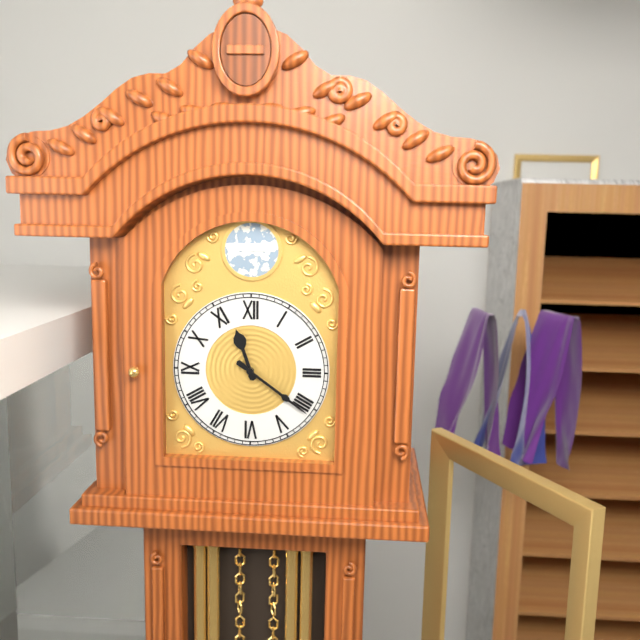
11h21
